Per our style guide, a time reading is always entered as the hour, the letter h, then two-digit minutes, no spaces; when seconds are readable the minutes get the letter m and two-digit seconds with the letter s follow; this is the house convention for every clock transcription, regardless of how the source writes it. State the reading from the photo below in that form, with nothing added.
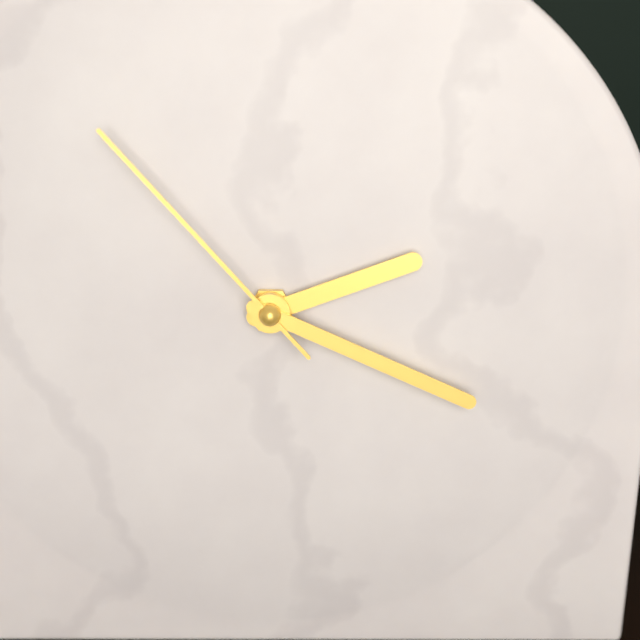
2h19m53s
